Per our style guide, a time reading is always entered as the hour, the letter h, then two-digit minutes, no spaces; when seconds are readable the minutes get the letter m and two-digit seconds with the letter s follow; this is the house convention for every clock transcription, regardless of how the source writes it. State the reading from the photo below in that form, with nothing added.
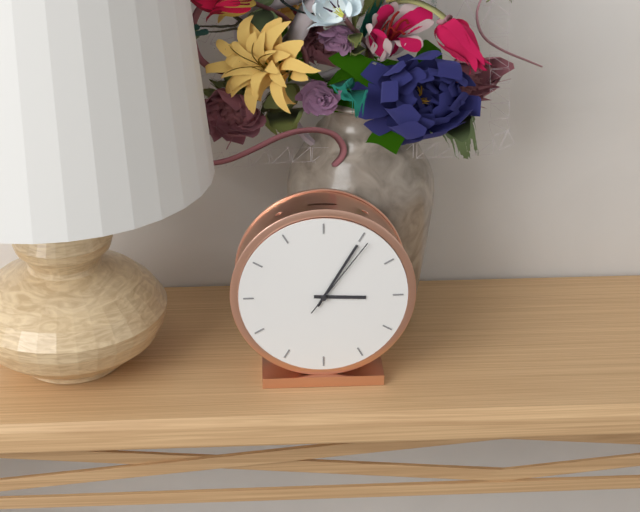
3h05m06s
